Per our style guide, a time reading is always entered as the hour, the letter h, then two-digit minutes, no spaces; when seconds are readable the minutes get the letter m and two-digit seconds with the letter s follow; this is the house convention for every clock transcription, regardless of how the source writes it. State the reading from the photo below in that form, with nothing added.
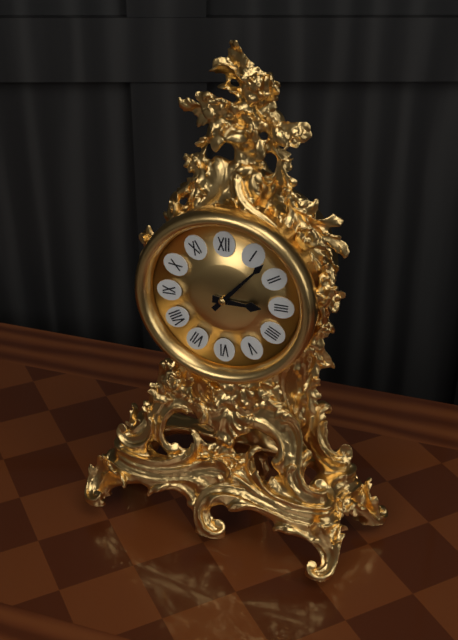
3h07
